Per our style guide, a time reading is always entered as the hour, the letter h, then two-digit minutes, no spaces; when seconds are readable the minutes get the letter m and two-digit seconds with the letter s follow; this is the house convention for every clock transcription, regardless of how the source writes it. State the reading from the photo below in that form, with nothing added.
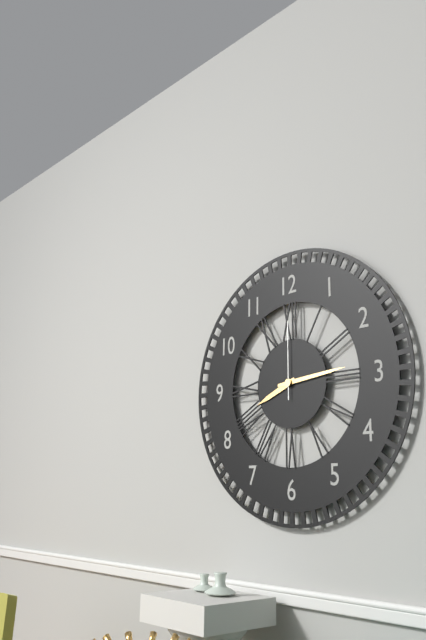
8h14m00s
